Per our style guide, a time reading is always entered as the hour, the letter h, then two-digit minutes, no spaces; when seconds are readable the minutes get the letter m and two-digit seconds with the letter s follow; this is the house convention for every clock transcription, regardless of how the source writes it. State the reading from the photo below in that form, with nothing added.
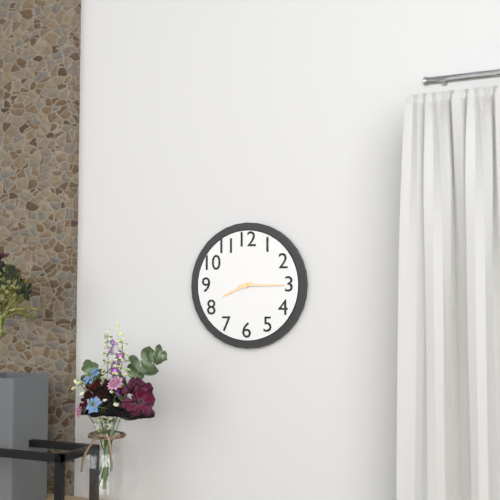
8h15
